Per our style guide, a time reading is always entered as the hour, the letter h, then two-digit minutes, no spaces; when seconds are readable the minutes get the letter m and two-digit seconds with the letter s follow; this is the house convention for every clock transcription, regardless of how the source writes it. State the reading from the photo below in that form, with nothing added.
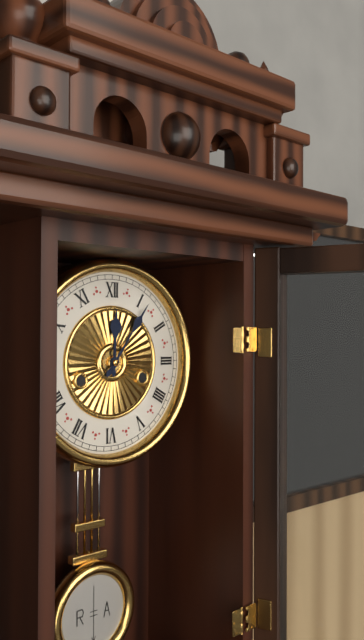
12h06
